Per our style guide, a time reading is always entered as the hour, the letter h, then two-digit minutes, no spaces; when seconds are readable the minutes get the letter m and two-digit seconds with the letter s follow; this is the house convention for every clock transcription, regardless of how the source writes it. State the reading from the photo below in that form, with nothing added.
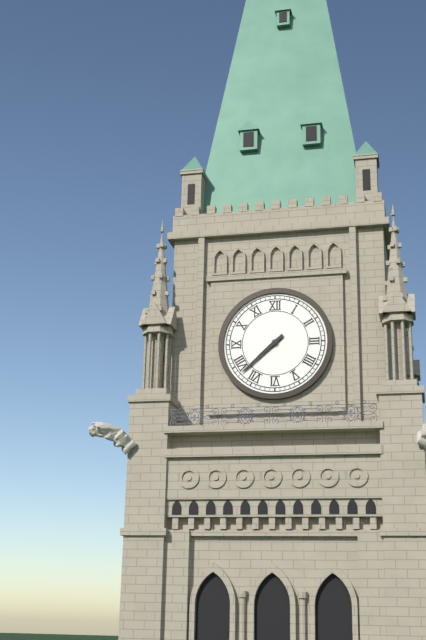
7h38
